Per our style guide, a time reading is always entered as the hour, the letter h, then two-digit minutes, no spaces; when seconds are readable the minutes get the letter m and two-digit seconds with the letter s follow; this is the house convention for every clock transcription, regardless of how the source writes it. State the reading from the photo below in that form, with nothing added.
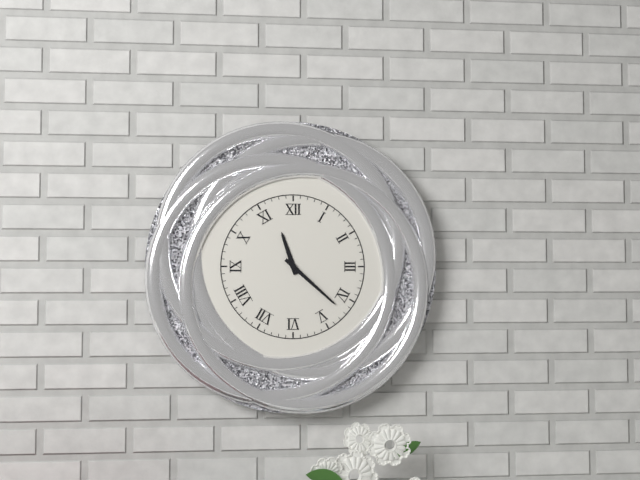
11h22
